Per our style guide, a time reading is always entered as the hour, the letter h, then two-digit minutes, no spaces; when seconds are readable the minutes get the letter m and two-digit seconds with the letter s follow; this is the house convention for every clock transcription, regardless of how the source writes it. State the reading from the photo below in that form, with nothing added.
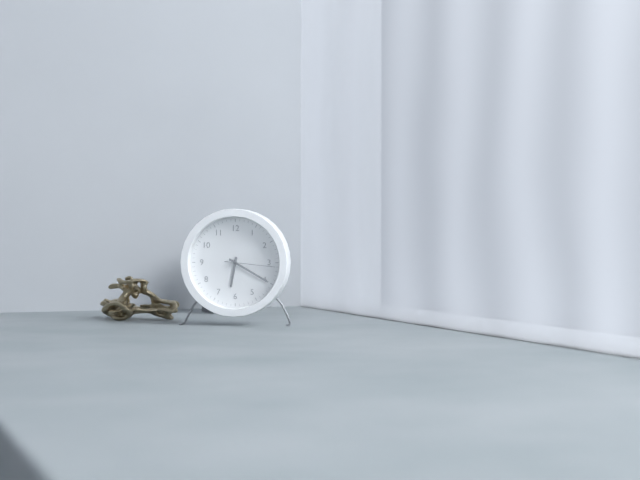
6h20m16s
